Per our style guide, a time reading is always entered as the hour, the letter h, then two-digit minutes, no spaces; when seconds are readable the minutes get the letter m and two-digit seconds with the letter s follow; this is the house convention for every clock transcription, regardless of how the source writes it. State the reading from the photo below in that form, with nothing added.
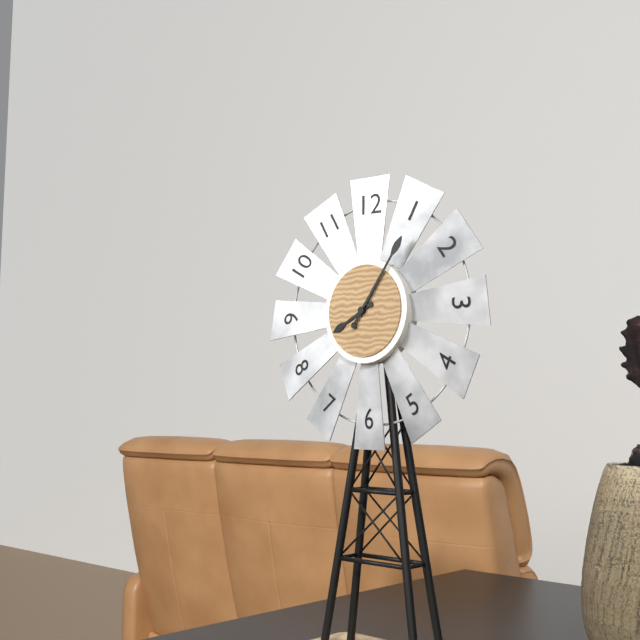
8h06
